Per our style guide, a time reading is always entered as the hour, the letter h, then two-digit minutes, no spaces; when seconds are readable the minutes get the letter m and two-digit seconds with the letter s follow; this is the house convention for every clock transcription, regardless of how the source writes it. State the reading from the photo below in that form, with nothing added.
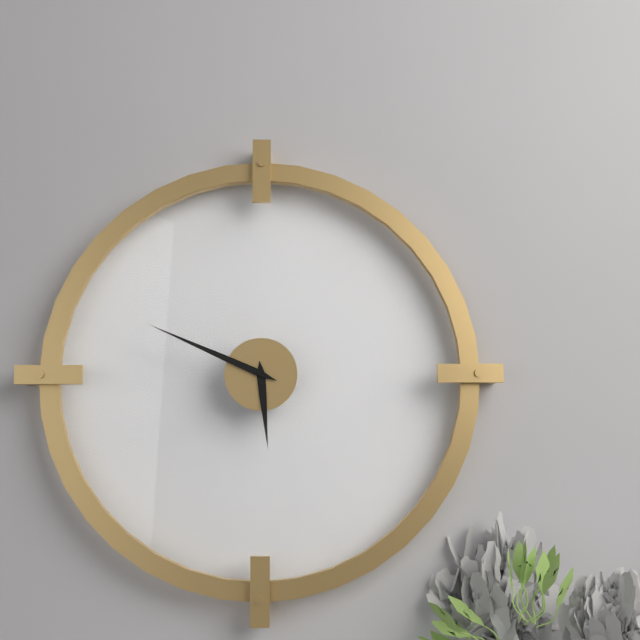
5h49
